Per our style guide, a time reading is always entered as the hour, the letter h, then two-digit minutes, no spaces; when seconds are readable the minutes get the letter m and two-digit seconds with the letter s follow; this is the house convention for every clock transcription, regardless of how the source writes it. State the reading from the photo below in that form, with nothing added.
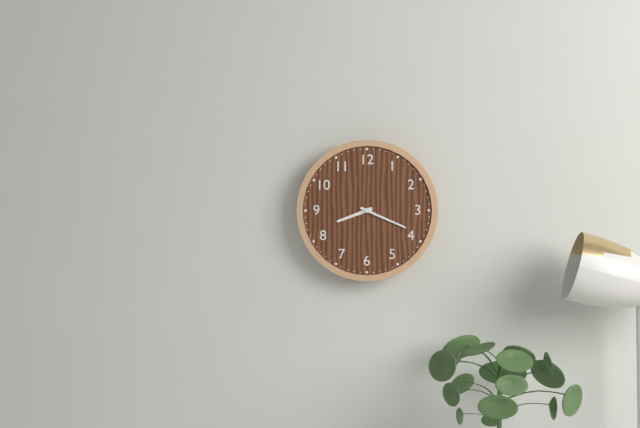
8h19
